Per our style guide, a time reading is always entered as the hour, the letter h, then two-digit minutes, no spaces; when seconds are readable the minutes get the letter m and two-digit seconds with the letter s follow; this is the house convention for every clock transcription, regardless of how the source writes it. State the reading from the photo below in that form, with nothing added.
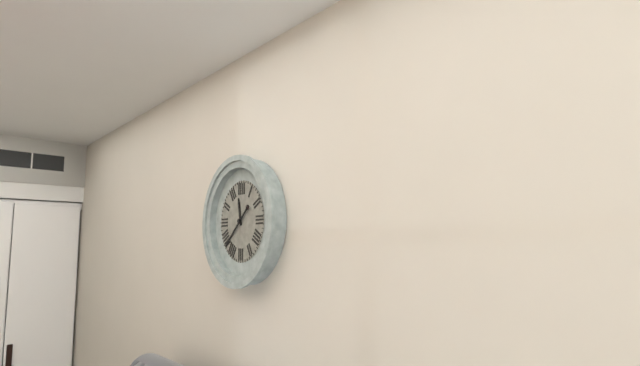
11h38
